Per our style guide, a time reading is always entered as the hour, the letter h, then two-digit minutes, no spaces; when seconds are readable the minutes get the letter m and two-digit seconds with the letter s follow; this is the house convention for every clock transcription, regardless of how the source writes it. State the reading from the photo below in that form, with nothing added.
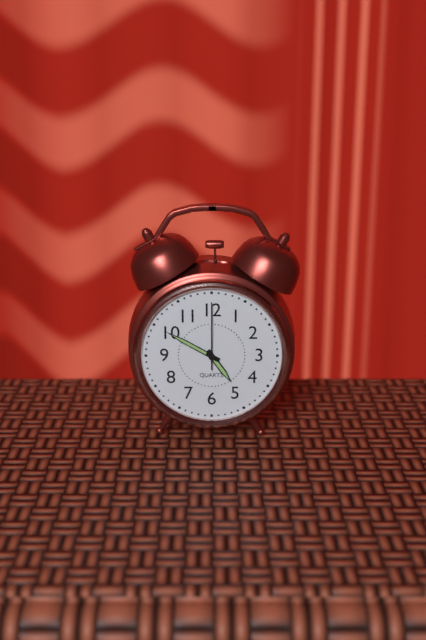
4h50m00s
